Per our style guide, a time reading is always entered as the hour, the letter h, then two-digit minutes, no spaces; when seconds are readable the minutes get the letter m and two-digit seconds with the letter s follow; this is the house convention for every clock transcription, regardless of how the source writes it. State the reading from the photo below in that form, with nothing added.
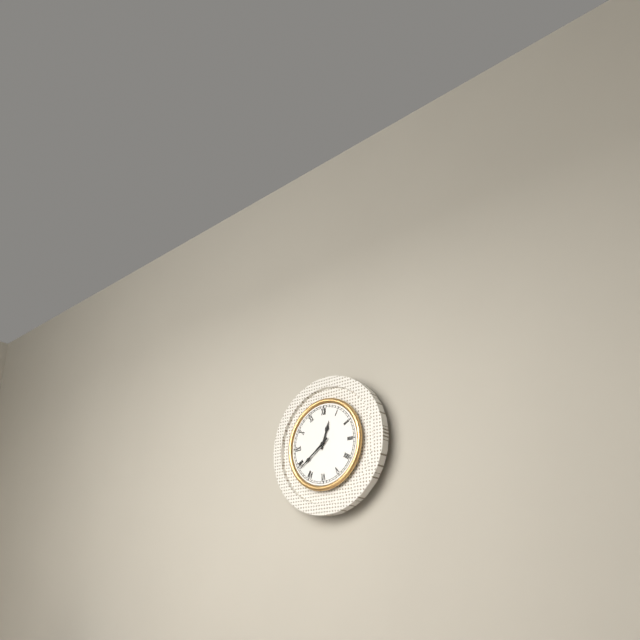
12h39
